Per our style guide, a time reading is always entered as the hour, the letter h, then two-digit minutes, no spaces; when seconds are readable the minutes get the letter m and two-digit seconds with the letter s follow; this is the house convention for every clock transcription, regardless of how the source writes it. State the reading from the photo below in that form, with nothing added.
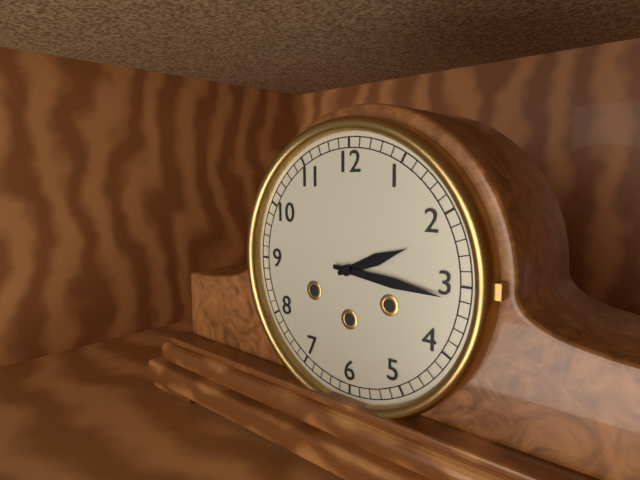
2h16
